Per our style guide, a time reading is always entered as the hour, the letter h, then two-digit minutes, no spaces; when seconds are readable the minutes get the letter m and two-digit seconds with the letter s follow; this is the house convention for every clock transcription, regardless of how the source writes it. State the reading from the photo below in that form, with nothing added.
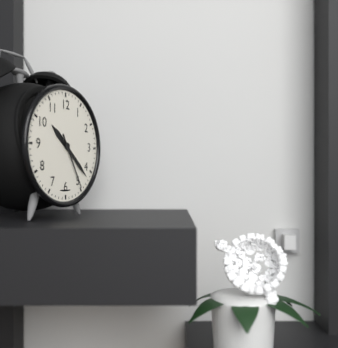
10h22m25s
